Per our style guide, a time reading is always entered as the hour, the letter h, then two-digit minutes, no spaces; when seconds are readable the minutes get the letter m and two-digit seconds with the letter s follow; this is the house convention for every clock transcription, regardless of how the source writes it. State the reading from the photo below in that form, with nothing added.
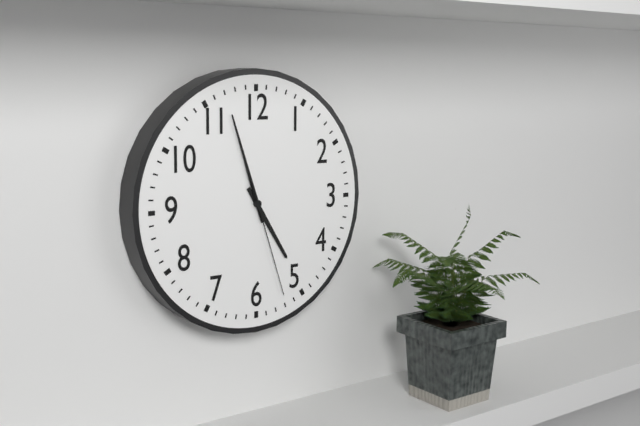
4h57m27s
